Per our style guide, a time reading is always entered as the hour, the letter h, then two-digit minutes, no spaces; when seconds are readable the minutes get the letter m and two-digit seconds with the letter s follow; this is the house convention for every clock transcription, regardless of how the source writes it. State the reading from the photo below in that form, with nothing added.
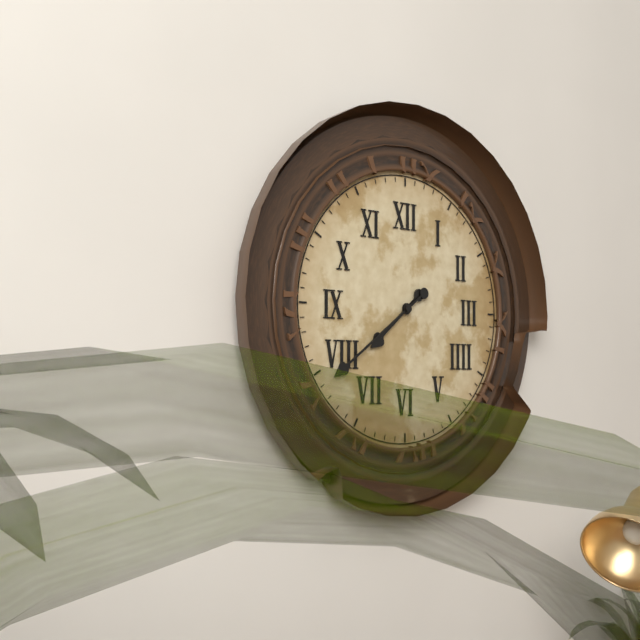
7h39
